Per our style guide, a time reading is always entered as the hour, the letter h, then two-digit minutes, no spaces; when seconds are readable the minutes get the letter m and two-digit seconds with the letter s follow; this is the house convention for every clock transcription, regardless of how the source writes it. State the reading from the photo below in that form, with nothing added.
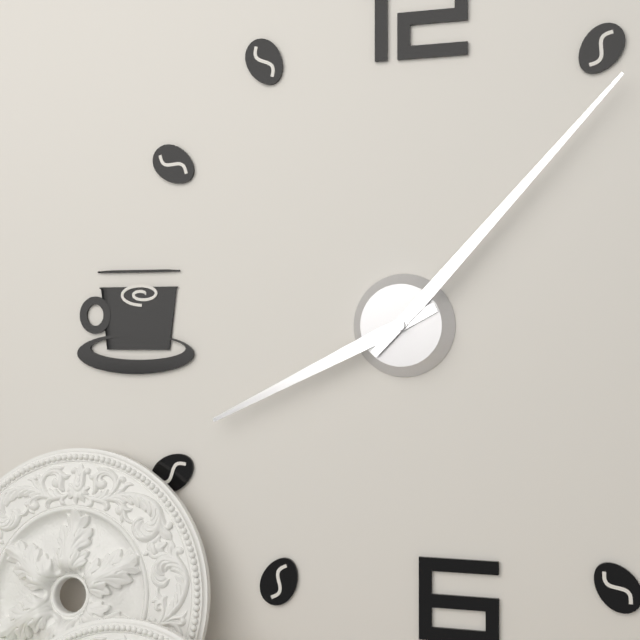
8h07
